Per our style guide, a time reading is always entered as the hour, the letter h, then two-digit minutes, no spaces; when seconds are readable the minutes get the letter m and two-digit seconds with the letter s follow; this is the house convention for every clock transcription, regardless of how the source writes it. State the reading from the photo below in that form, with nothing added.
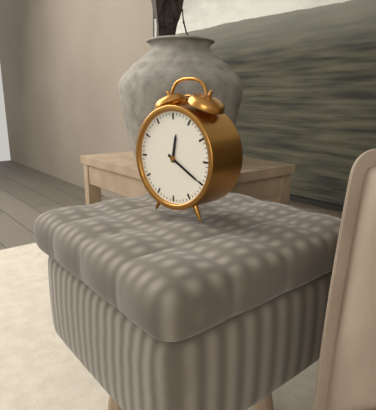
12h20
